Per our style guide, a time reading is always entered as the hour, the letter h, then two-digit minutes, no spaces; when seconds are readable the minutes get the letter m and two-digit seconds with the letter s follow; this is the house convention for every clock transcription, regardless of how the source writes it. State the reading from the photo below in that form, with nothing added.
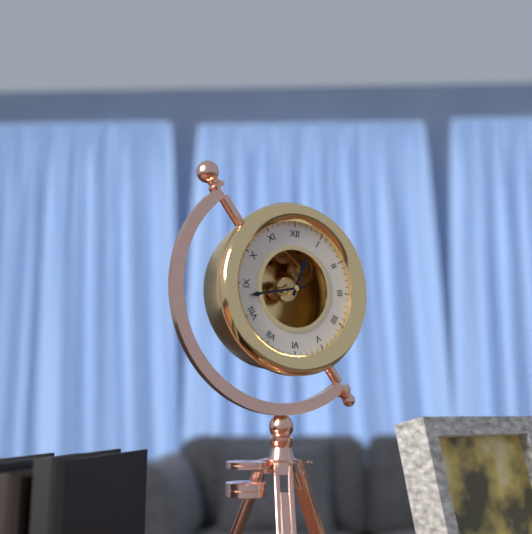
12h43
